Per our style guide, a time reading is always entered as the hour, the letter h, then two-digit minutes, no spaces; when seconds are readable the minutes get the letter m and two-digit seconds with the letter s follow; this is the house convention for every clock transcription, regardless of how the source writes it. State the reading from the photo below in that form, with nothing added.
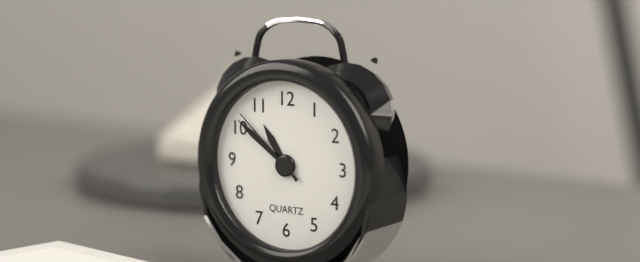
10h51m52s
